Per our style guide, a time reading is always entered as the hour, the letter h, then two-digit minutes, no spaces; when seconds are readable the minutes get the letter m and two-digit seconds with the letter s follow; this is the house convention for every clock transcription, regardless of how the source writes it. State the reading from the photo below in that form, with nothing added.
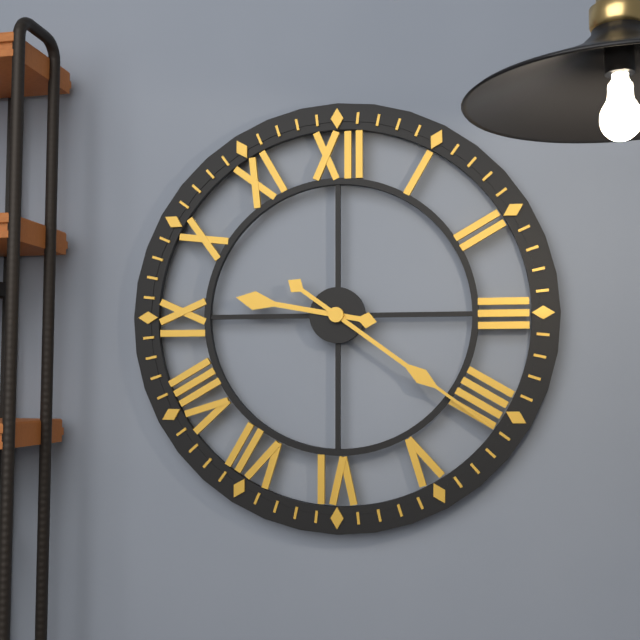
9h21
